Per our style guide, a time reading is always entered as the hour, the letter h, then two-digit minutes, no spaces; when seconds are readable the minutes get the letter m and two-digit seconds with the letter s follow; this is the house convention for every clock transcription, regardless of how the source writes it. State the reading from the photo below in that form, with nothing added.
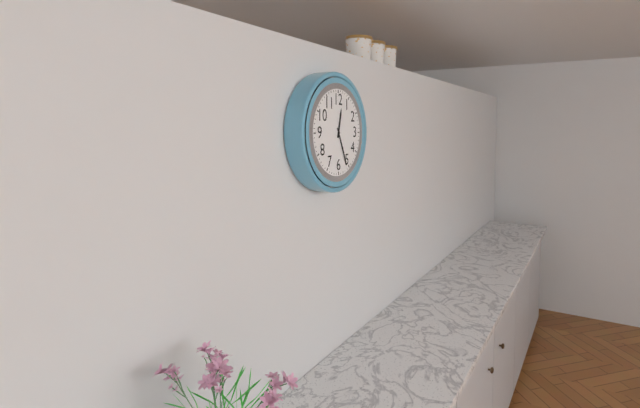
12h26
